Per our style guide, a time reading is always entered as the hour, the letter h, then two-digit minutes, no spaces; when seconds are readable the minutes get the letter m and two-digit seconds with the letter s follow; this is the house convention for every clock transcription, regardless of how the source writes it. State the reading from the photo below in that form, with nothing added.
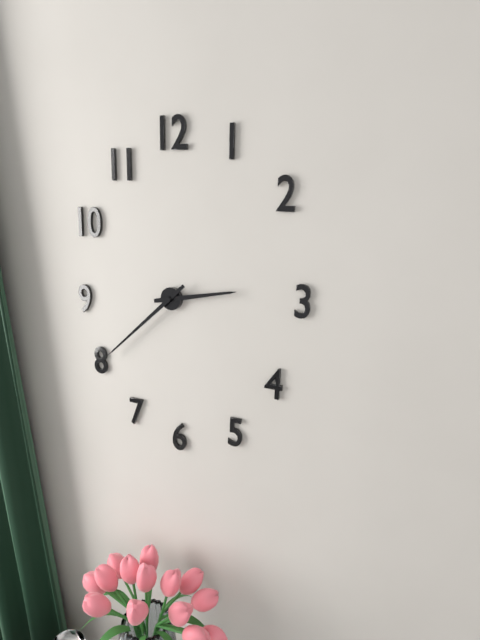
2h38
